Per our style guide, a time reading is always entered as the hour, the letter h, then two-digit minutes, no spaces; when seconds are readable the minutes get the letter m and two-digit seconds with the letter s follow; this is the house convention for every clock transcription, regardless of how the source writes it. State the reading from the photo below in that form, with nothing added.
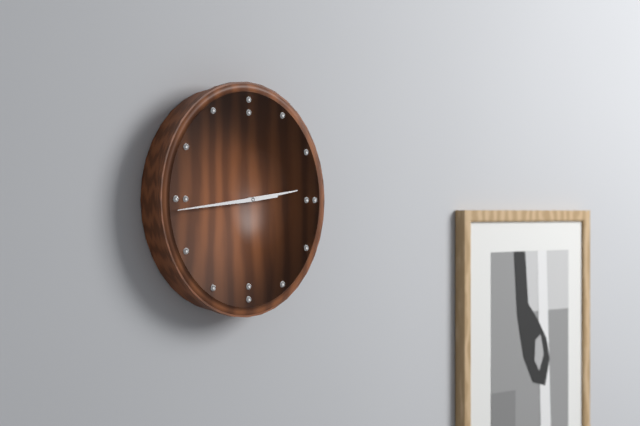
2h44
